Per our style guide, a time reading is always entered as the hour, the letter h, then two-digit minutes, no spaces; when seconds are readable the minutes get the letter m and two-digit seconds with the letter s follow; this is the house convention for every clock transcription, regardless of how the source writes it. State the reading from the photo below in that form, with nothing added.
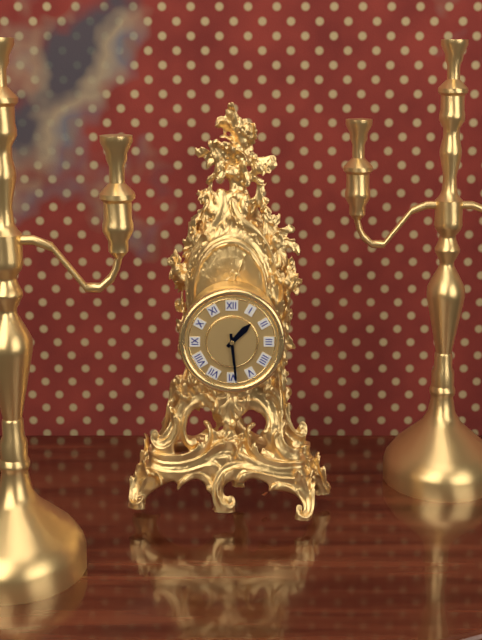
1h29
